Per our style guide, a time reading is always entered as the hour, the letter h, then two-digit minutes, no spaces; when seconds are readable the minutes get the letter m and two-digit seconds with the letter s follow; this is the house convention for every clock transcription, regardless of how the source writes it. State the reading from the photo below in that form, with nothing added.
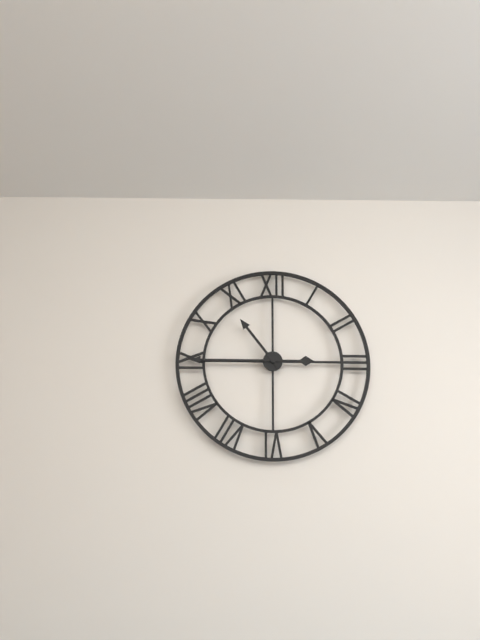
10h45
